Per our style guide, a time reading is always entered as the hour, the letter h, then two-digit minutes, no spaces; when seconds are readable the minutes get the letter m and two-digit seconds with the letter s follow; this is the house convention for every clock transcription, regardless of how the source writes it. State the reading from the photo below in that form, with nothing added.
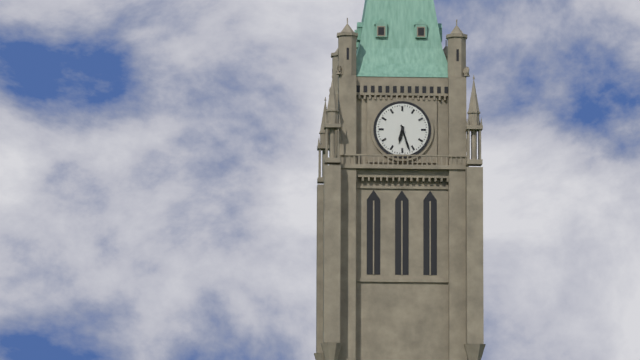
6h27
